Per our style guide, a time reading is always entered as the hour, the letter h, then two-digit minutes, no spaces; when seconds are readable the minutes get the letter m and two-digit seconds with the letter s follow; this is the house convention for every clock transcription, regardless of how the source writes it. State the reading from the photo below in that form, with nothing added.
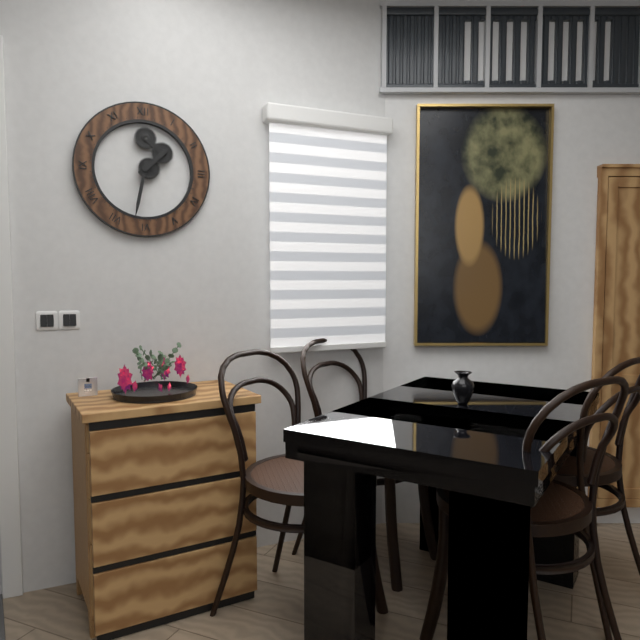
1h32
